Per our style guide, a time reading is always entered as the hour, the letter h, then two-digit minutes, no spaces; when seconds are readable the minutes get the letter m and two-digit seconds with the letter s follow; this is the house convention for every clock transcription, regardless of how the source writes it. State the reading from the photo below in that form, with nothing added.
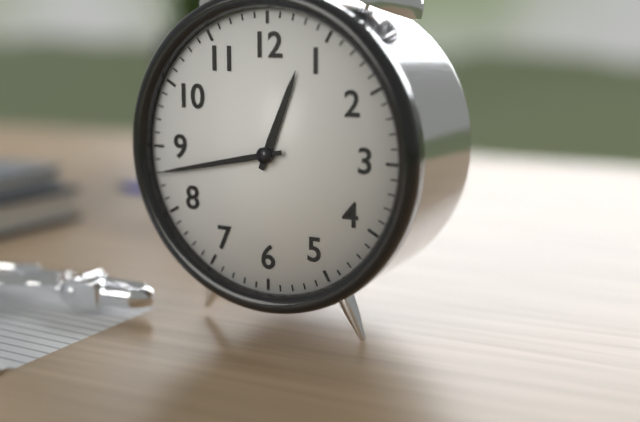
12h43
